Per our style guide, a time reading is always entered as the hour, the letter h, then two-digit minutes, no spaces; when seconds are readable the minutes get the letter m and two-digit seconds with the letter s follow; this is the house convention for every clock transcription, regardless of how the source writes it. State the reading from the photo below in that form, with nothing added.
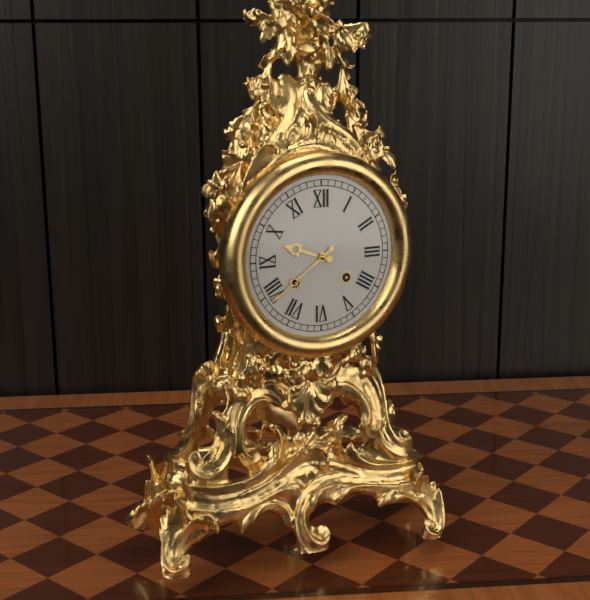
9h39
